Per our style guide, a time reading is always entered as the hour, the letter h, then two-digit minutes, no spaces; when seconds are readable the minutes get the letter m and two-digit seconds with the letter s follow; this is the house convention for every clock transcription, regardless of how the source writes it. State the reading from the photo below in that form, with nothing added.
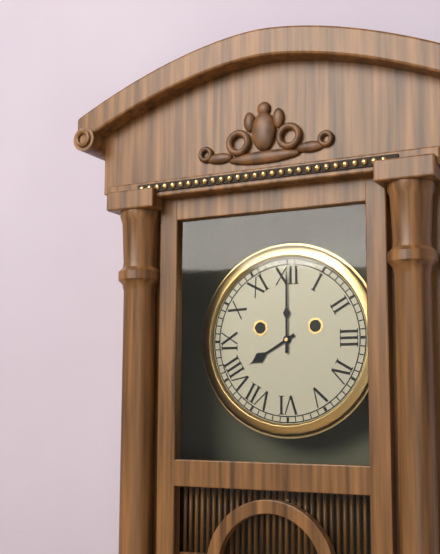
8h00
